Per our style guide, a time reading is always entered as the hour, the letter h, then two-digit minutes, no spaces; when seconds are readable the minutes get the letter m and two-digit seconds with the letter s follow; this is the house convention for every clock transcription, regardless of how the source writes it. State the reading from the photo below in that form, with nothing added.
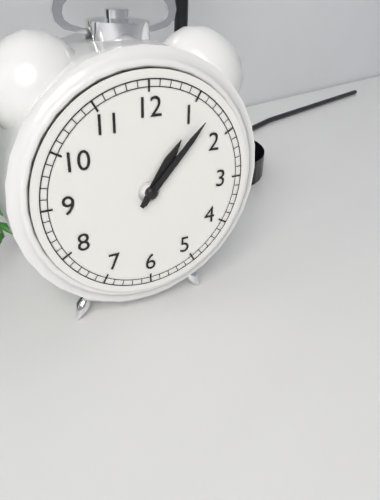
1h07
